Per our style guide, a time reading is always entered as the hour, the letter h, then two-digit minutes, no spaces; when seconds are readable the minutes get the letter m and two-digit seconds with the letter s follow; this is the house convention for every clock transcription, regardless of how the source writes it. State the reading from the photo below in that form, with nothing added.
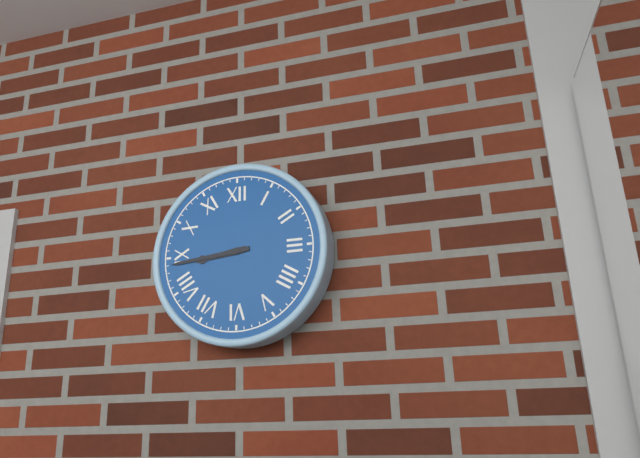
8h44
